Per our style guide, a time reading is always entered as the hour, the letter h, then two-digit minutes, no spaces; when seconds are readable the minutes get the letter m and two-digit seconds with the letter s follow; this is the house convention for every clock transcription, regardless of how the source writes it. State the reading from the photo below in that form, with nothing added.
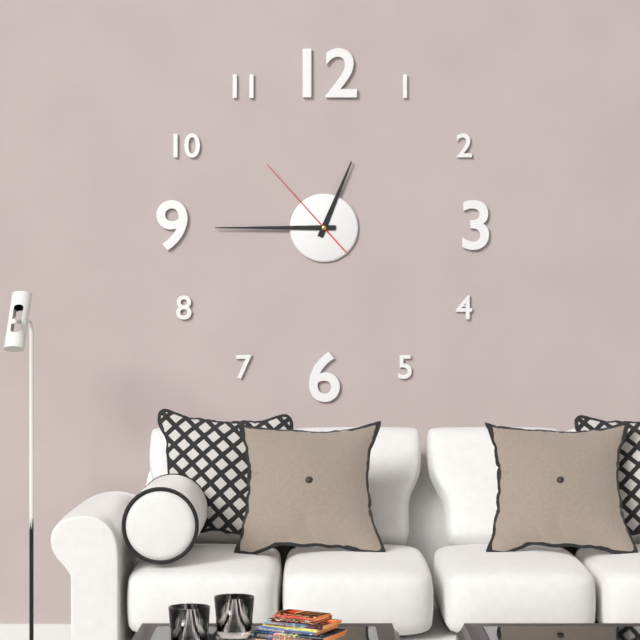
12h45m53s
